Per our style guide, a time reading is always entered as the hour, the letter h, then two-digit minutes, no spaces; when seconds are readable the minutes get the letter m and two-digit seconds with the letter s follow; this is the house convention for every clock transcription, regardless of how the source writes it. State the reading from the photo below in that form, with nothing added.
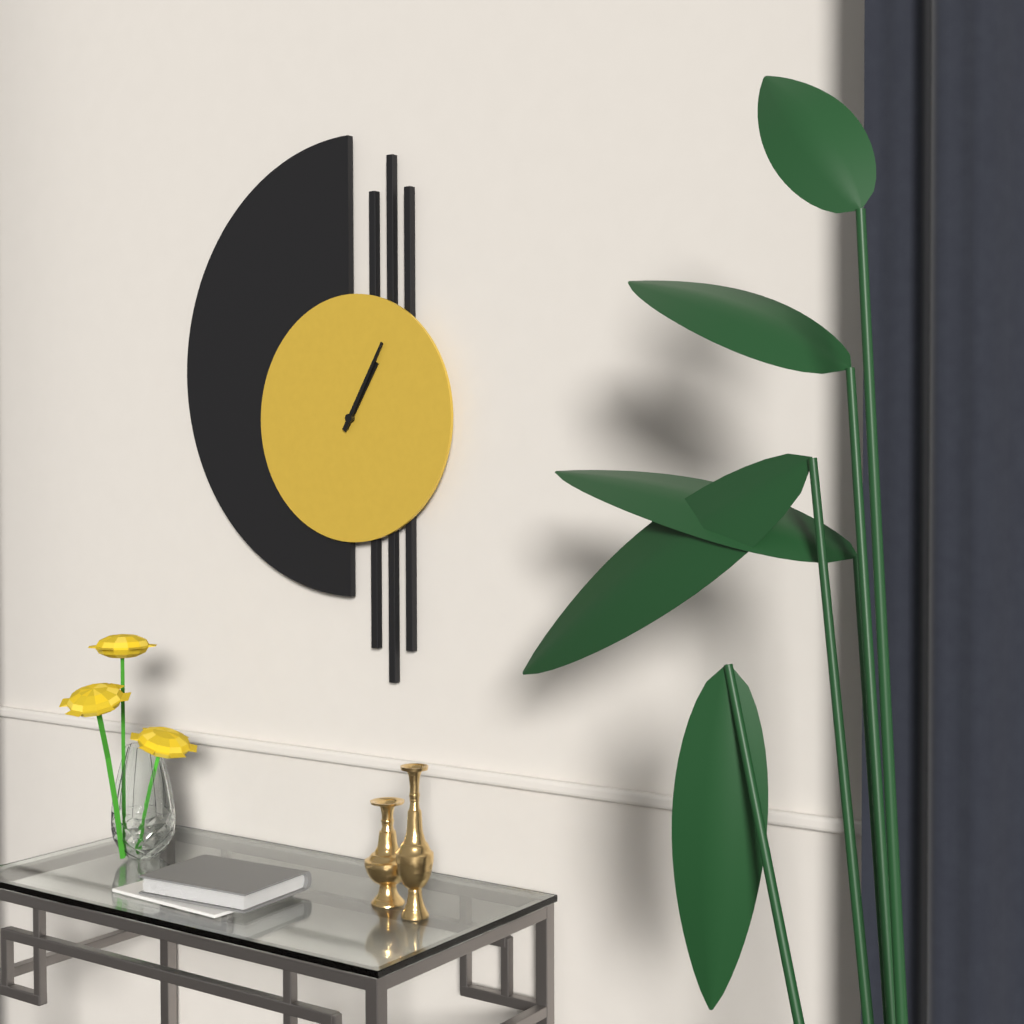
1h05
